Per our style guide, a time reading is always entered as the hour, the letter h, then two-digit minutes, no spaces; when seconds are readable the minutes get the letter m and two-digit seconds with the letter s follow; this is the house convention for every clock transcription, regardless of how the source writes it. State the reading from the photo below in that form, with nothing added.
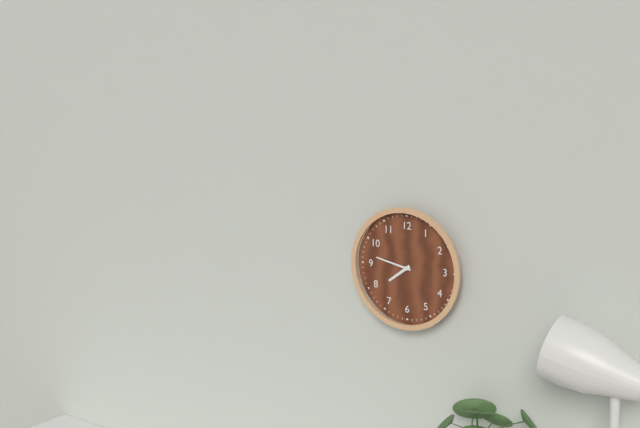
7h47
